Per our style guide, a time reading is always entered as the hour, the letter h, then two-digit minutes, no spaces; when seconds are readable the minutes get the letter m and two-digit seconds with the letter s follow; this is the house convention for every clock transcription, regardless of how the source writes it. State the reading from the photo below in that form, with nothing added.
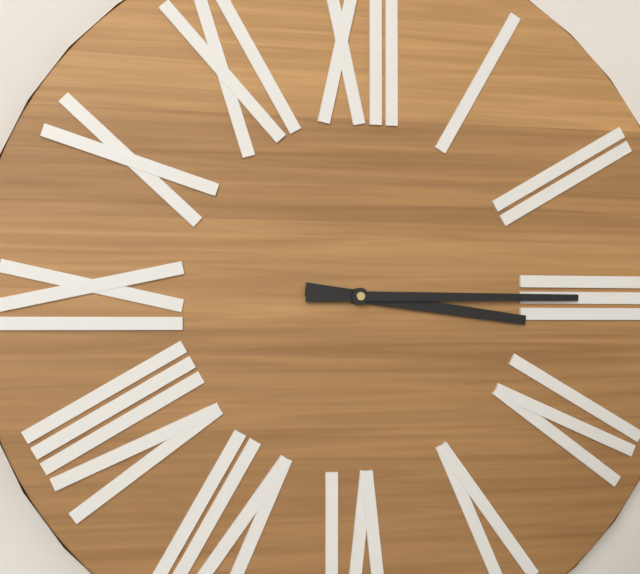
3h15
